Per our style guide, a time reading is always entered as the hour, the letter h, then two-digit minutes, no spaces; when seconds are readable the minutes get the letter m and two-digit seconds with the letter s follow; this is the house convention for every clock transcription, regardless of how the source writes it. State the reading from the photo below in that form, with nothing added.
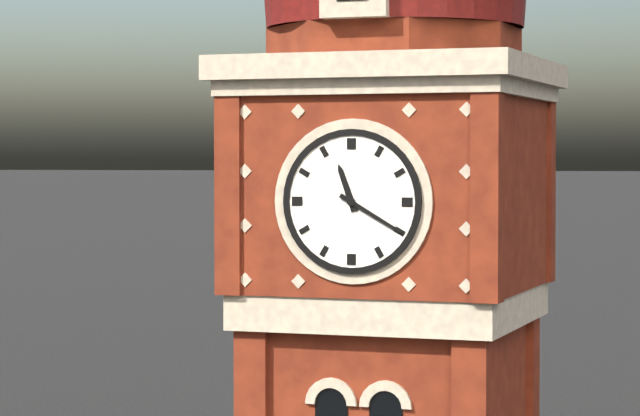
11h20
